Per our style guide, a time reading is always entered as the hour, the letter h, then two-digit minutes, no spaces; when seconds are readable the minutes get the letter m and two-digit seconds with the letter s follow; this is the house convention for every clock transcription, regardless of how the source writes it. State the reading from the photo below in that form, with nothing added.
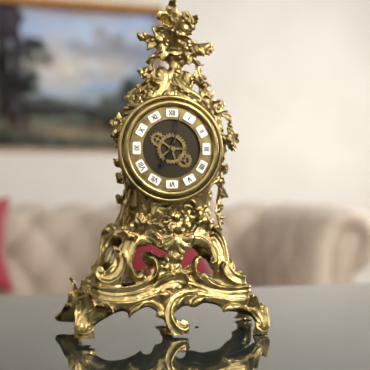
7h02
